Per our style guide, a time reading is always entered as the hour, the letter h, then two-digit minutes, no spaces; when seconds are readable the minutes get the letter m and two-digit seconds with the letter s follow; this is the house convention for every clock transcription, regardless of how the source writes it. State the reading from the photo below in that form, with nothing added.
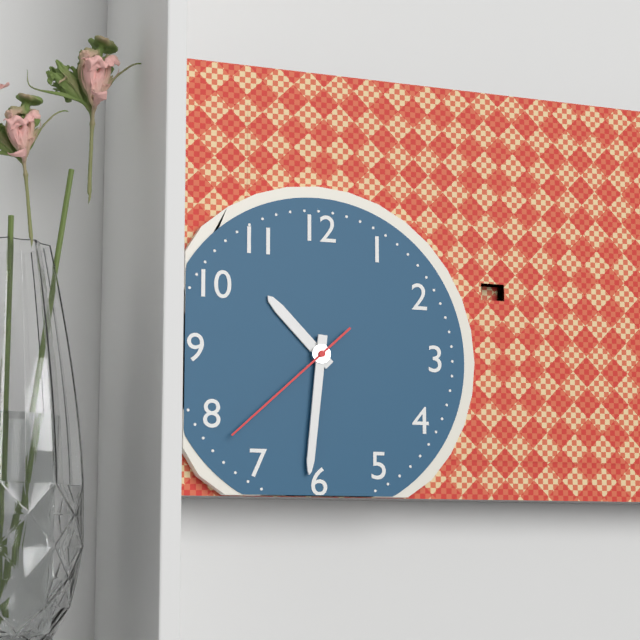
10h31m38s
